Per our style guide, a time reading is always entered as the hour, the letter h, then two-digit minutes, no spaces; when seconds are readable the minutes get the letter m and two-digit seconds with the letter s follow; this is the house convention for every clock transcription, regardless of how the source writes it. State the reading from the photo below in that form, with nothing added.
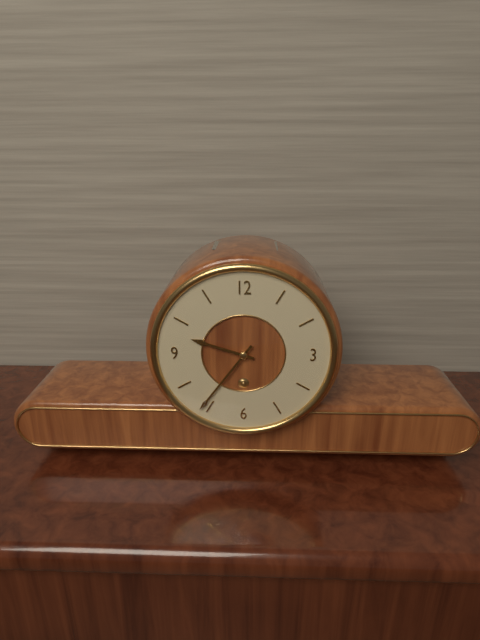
9h36
